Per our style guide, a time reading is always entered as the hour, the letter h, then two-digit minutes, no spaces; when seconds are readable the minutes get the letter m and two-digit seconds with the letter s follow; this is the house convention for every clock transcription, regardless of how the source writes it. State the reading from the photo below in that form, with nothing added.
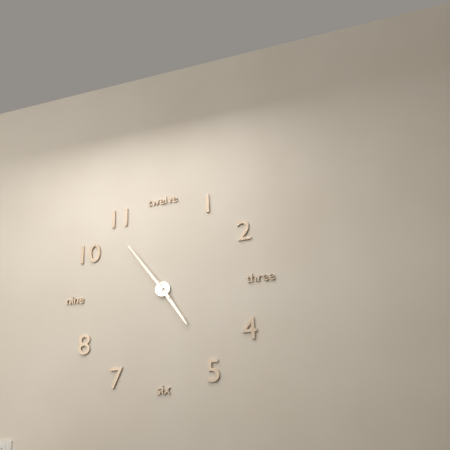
4h54
